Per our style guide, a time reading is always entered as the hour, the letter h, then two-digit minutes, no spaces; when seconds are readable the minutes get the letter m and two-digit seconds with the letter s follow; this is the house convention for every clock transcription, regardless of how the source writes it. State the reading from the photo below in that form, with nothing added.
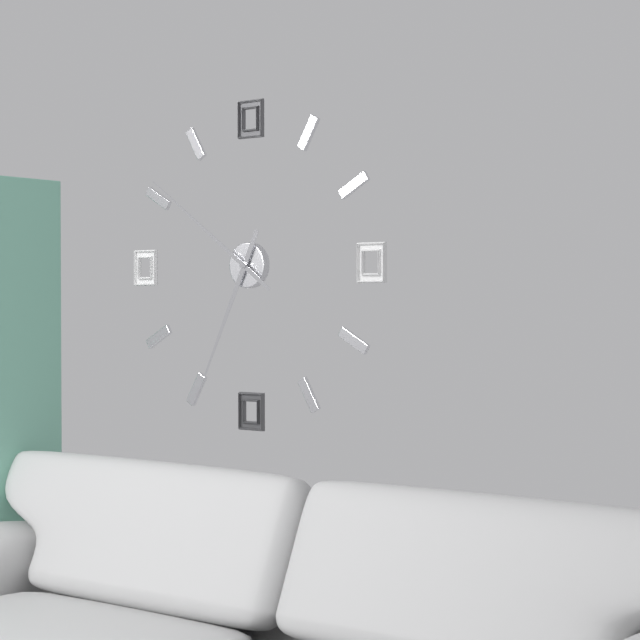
6h51
